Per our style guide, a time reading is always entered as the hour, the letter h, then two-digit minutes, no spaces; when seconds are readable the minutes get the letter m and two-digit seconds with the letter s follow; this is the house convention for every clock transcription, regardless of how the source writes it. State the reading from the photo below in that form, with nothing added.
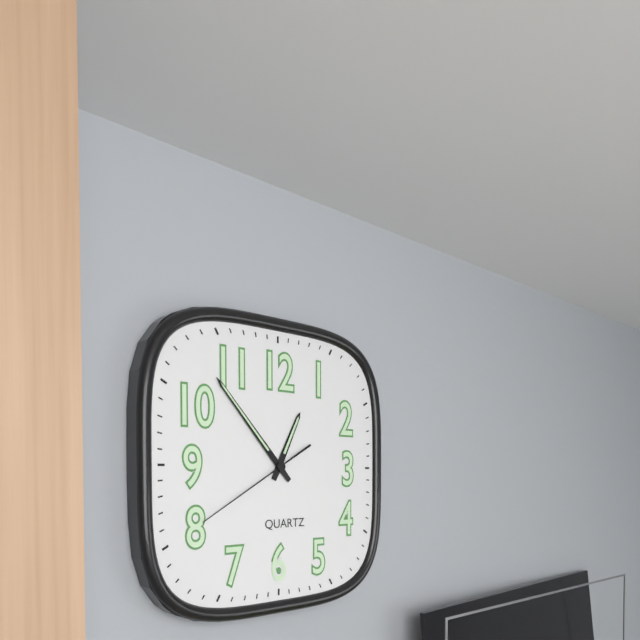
12h53m40s
